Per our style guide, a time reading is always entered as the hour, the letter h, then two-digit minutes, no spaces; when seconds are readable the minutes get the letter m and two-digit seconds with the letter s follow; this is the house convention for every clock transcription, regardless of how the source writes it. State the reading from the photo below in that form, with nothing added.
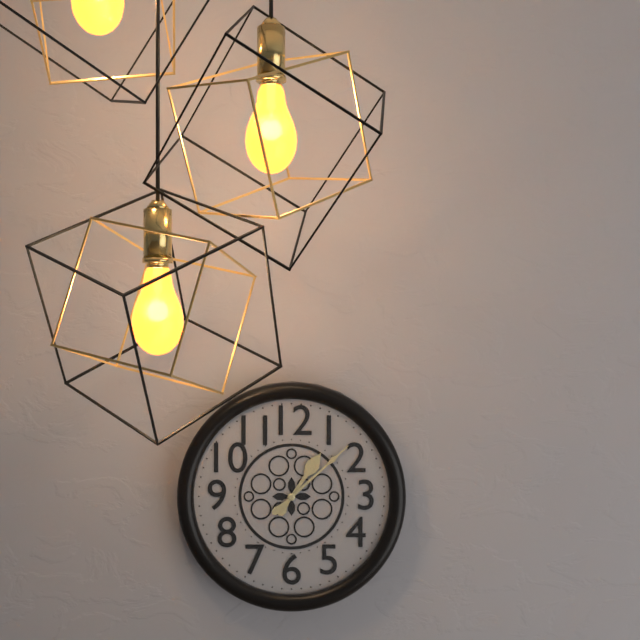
1h08
